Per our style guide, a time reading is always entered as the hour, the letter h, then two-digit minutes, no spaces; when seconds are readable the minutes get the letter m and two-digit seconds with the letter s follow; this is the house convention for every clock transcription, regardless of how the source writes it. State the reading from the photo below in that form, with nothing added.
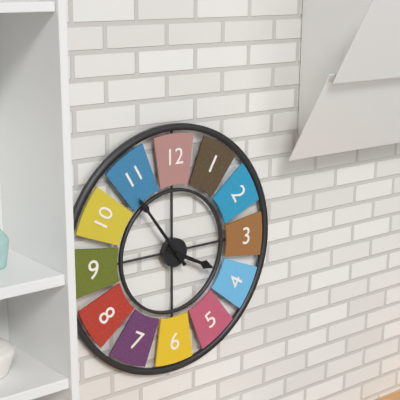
3h54
